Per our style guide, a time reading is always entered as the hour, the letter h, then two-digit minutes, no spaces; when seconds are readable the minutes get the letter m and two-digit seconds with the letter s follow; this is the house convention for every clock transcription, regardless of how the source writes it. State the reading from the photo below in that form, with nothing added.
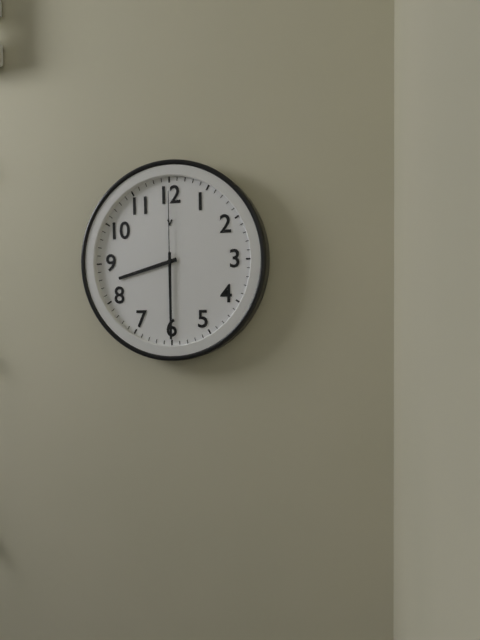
8h30m00s
